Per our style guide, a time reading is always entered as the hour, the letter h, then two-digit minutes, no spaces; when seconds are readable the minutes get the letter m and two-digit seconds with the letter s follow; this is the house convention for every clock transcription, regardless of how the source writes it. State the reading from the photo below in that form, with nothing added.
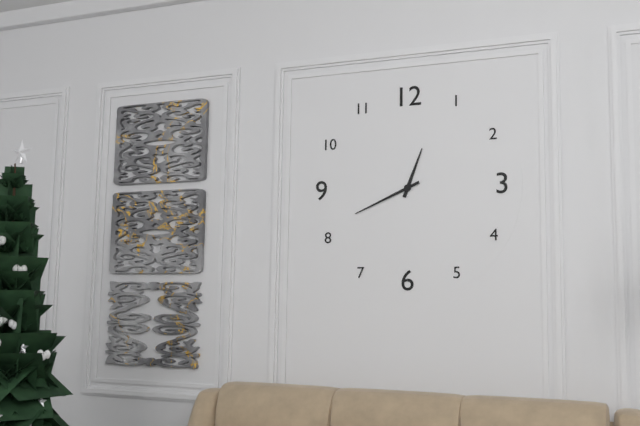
12h41
